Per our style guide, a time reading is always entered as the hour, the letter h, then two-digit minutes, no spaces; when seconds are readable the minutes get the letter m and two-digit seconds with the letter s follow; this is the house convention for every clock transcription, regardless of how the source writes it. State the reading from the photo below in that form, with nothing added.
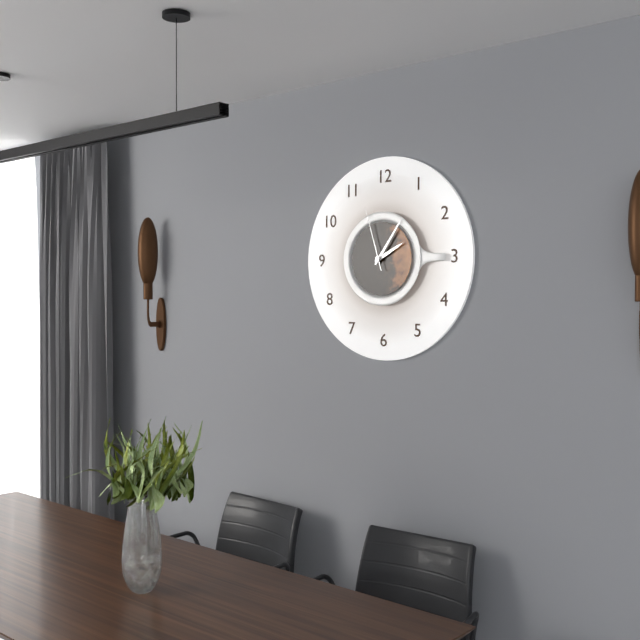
2h06m57s
